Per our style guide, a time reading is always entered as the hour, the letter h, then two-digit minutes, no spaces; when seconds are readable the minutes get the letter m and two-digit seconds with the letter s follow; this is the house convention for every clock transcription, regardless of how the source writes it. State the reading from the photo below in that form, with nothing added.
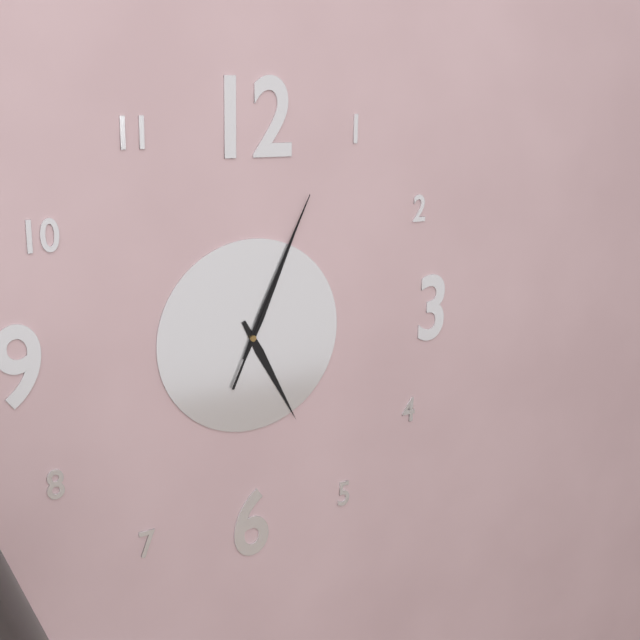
5h04m04s
